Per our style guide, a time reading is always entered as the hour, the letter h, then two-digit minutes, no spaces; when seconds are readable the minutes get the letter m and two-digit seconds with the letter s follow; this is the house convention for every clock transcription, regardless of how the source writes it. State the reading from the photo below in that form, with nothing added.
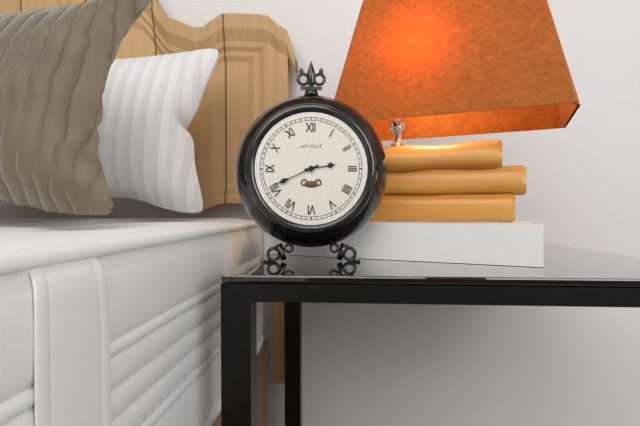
2h41
